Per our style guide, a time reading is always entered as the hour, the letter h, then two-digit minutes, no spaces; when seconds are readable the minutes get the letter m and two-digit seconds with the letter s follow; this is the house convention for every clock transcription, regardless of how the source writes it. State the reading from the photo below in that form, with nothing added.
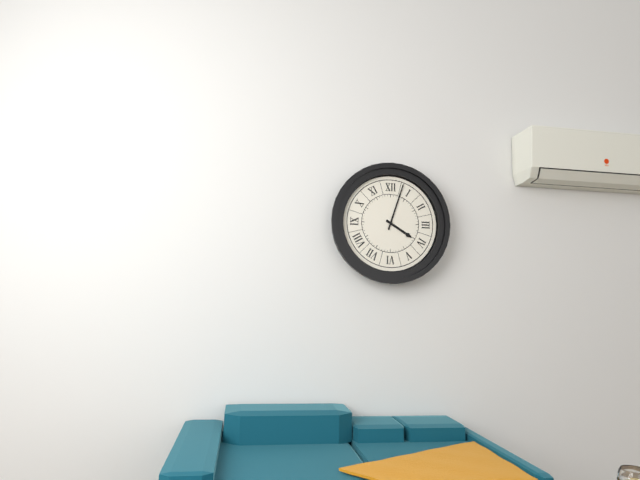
4h03
